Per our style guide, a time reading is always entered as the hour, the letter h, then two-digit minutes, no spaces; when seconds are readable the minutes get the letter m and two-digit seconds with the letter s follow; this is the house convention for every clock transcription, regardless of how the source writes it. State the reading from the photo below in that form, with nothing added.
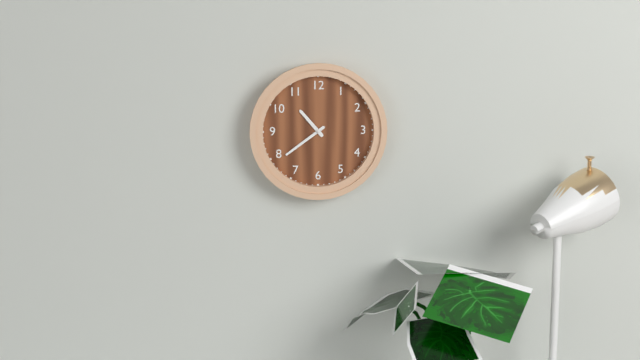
10h39
